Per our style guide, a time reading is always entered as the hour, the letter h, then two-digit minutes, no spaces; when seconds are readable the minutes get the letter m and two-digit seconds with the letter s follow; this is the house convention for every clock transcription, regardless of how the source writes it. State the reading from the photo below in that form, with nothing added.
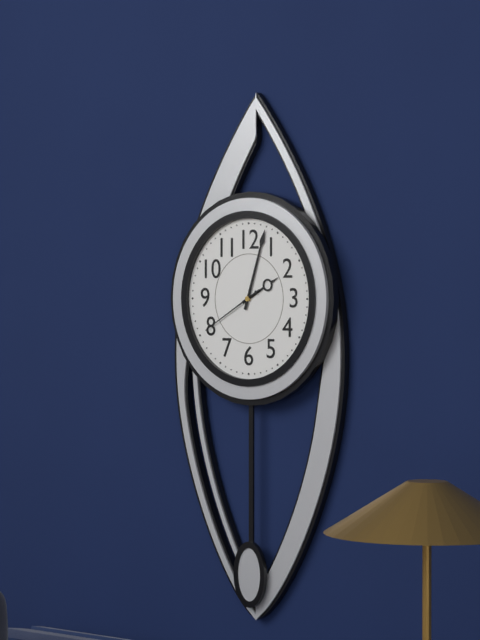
2h03m40s
